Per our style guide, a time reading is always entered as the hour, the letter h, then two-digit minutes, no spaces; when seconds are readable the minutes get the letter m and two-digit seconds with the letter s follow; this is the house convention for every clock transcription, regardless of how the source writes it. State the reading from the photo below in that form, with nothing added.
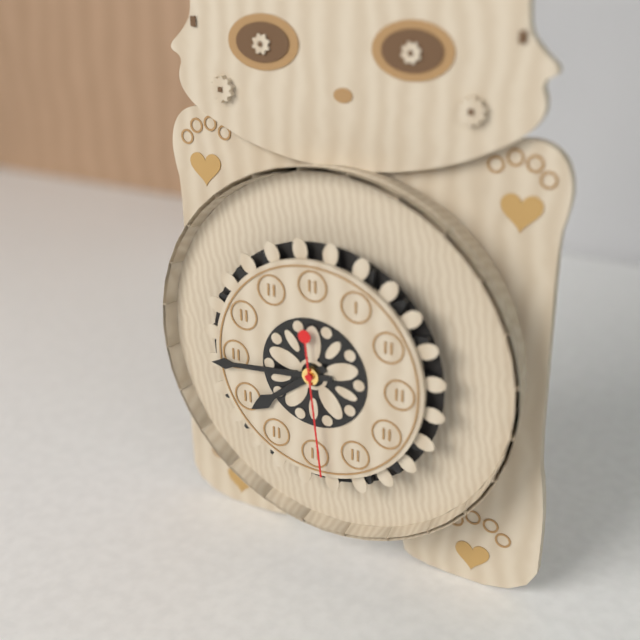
7h44m29s
